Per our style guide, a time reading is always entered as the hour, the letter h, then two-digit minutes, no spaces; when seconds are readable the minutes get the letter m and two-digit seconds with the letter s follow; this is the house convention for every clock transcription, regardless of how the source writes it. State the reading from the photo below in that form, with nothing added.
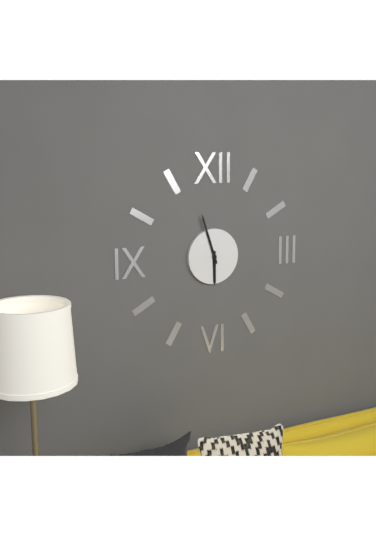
5h57
